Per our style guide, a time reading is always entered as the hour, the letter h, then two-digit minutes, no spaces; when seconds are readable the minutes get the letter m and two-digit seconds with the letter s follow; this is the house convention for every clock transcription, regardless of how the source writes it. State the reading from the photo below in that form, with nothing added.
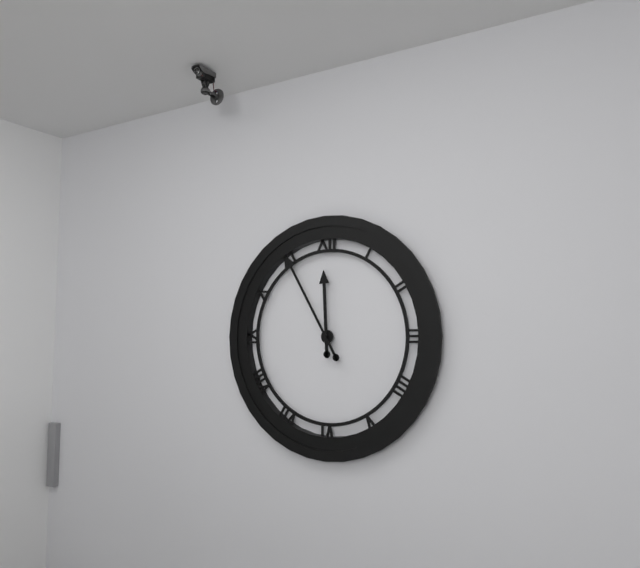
11h55
